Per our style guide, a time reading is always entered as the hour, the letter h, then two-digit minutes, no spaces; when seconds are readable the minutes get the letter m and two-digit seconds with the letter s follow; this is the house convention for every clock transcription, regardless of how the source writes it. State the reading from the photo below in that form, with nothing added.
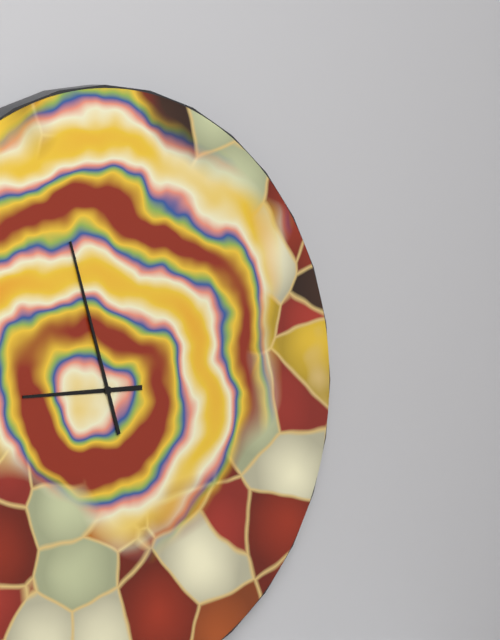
8h57
